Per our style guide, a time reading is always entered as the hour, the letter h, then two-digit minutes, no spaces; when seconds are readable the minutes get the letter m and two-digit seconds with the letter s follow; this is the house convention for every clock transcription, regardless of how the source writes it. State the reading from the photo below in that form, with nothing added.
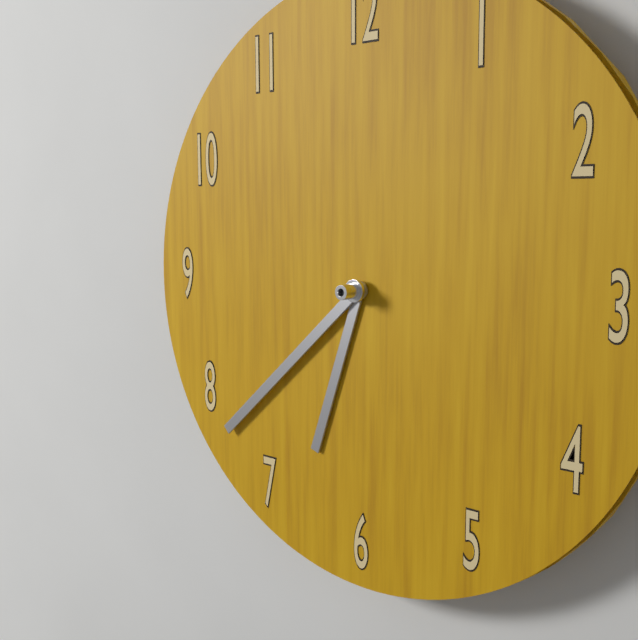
6h38
